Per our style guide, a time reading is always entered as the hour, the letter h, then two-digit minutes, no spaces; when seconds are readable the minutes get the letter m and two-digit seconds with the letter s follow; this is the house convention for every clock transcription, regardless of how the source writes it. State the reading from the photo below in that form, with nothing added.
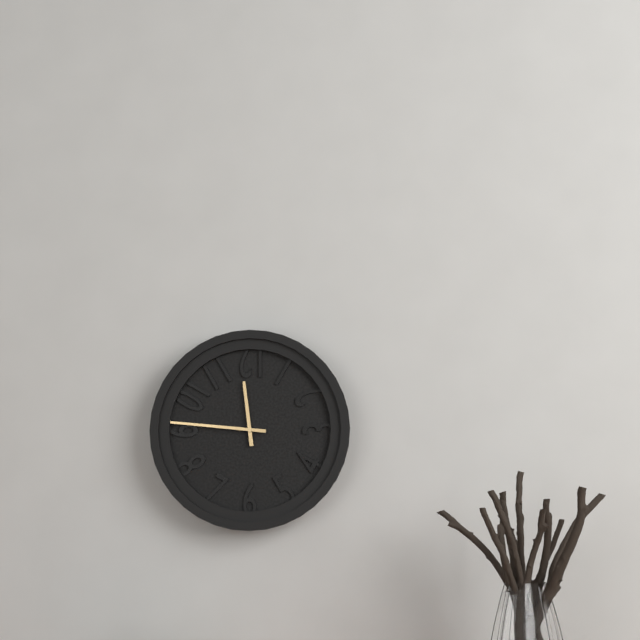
11h46
